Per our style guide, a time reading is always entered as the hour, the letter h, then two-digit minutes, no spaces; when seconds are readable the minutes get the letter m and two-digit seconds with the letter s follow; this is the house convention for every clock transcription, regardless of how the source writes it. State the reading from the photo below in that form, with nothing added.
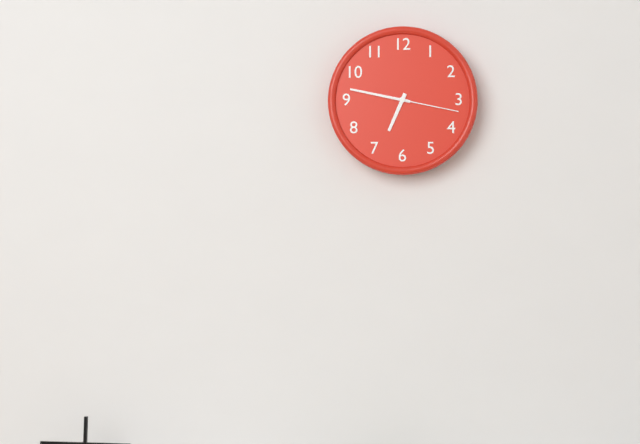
6h47m17s
